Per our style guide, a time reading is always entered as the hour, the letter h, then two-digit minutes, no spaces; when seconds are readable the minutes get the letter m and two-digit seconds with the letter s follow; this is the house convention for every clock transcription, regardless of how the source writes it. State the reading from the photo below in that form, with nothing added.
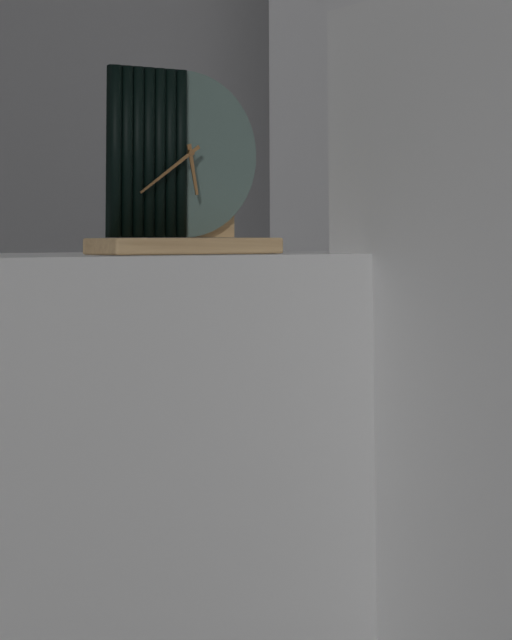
5h39
